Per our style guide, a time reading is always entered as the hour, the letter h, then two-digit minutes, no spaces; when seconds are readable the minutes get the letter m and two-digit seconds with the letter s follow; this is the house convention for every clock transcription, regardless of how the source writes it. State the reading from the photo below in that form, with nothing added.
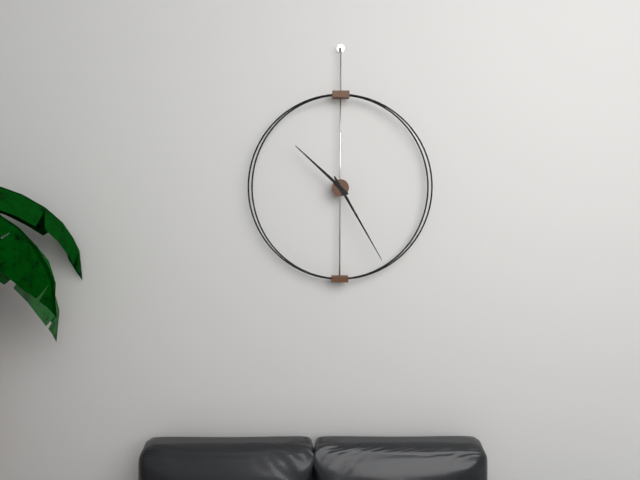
10h25
